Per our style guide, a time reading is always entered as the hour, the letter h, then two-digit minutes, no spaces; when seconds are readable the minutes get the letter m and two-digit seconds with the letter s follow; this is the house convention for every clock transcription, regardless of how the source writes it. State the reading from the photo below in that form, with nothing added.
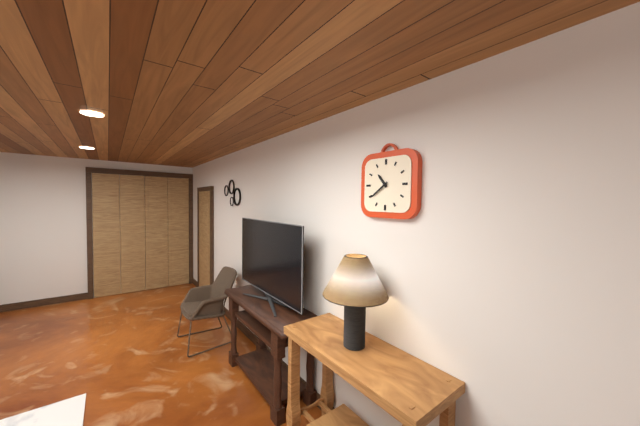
10h39
